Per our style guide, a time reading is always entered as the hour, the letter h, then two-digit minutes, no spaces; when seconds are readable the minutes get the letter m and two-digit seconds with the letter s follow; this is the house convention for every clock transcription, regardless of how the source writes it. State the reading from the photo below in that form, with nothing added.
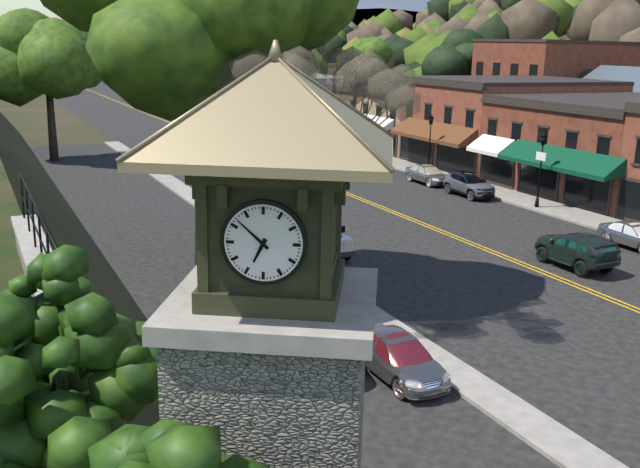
6h52
